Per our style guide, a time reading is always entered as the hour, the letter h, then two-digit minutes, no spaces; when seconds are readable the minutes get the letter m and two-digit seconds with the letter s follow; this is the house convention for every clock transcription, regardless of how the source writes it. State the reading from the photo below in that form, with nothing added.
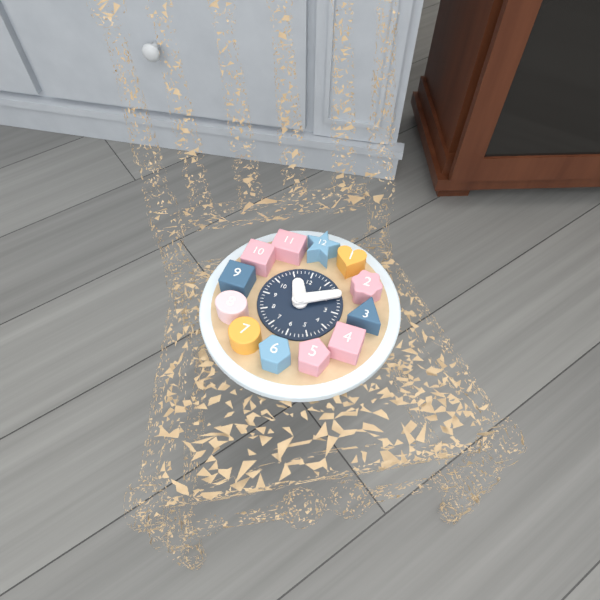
11h10
